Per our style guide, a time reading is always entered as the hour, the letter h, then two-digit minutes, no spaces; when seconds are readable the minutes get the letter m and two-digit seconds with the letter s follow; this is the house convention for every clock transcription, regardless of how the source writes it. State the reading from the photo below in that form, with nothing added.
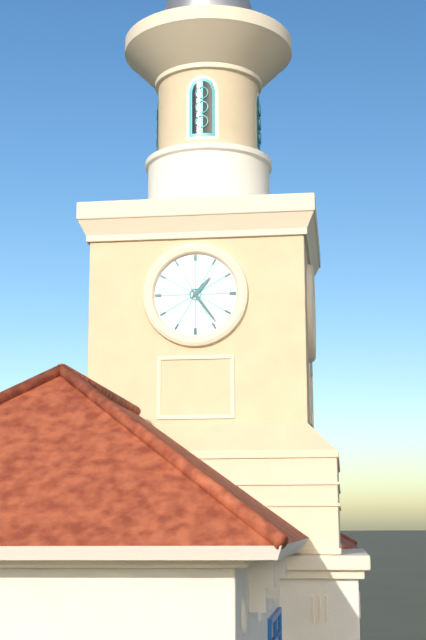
1h24
